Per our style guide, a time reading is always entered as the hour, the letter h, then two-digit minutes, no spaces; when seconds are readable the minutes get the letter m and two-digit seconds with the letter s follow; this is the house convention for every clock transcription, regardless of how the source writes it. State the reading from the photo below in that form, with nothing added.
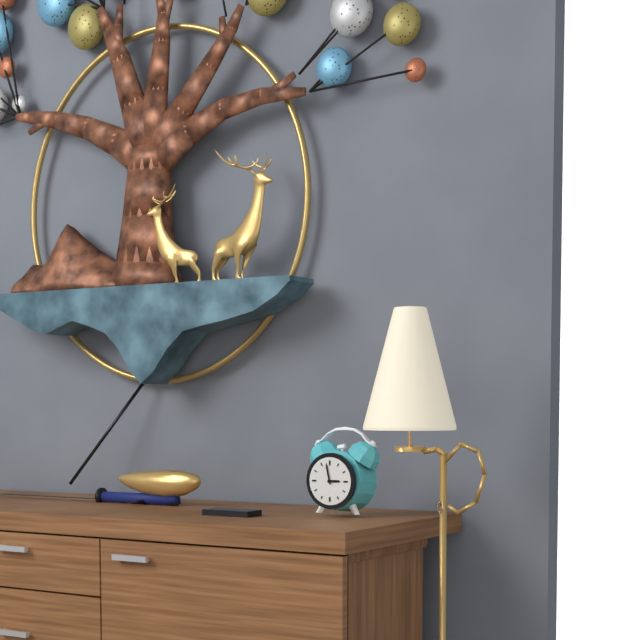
2h58
